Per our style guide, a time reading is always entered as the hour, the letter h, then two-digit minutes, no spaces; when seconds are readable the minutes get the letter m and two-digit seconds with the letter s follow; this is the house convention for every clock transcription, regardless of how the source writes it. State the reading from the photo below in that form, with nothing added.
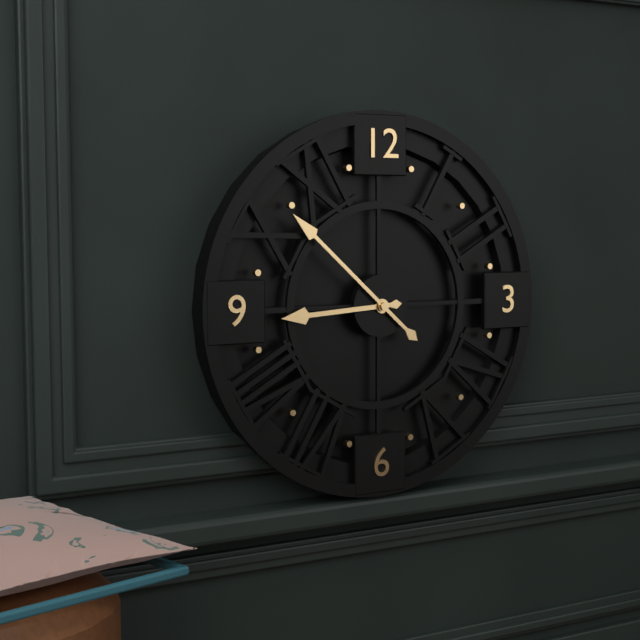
8h52
